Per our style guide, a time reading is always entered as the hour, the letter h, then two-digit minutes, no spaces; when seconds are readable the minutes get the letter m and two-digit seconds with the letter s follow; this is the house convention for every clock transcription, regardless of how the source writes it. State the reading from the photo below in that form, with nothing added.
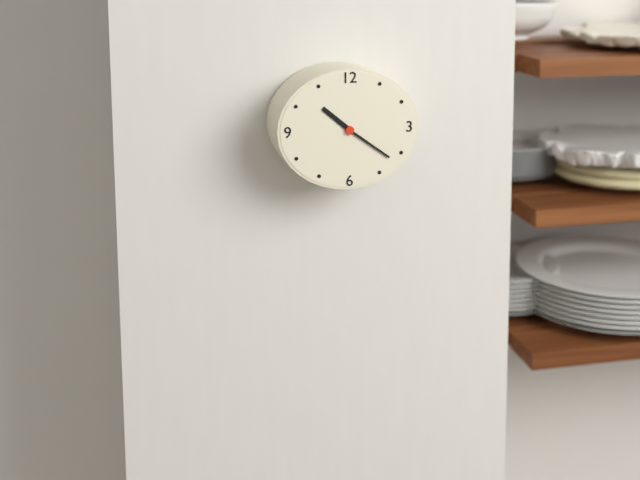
10h21
